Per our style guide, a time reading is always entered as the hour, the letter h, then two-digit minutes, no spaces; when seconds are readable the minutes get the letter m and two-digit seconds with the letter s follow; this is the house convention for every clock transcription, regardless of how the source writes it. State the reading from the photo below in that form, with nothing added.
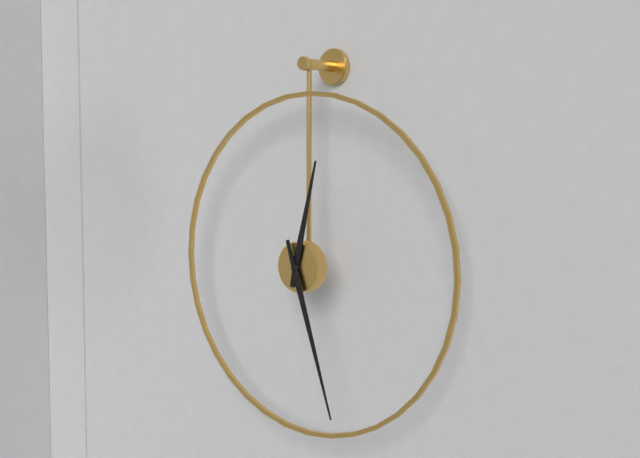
12h27
